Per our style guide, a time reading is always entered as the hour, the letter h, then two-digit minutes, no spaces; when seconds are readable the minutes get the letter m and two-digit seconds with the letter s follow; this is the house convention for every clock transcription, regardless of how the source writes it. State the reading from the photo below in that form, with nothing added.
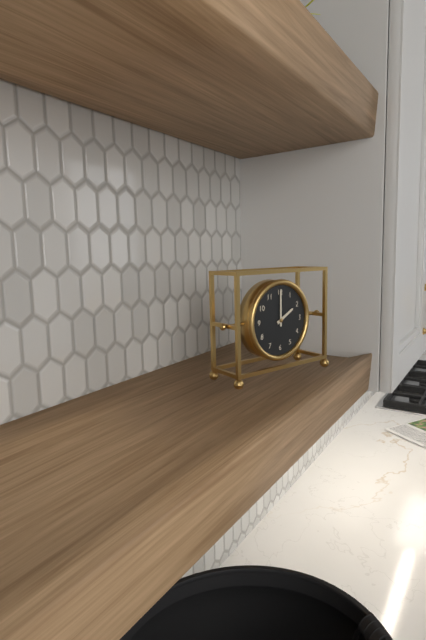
2h00
